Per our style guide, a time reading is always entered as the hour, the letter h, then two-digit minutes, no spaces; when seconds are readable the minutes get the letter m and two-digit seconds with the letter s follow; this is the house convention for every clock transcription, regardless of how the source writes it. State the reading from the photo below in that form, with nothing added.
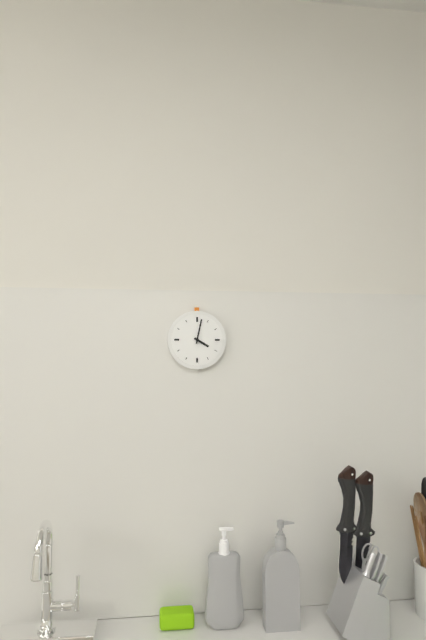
4h02
